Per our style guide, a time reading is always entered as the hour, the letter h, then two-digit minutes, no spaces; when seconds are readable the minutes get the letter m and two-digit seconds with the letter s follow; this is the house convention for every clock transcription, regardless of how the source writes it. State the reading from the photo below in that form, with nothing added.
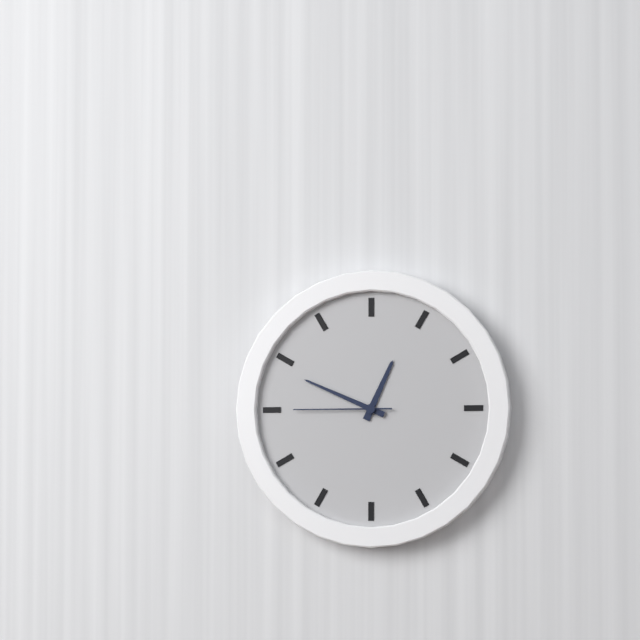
12h49m45s
